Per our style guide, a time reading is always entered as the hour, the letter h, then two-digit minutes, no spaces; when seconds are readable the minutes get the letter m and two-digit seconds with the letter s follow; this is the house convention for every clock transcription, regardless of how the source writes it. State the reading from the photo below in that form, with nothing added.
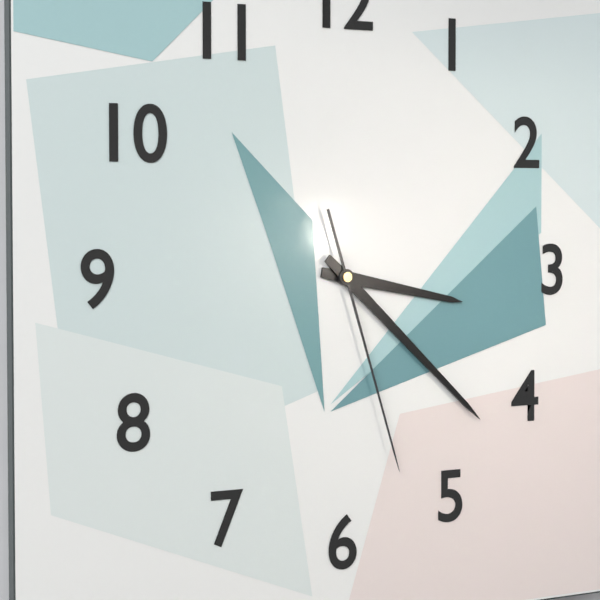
3h22m27s
